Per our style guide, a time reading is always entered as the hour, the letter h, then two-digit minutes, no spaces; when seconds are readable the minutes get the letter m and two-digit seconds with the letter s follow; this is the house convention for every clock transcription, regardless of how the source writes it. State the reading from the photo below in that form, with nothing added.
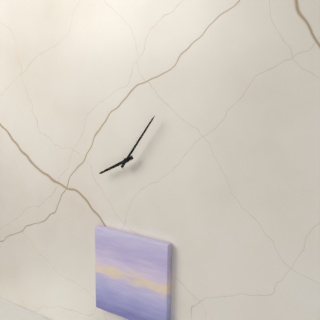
8h06
